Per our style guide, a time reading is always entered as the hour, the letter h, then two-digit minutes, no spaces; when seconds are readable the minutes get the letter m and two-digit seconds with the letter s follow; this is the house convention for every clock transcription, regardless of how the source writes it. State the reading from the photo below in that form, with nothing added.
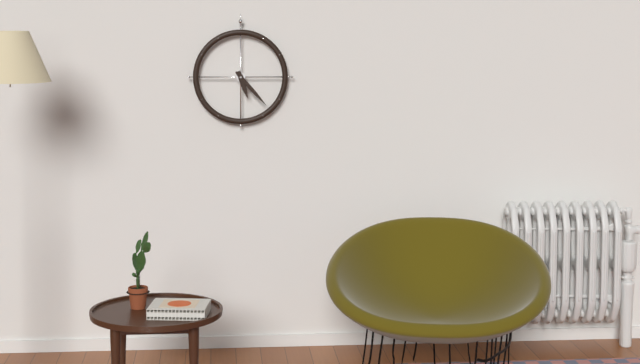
5h23
